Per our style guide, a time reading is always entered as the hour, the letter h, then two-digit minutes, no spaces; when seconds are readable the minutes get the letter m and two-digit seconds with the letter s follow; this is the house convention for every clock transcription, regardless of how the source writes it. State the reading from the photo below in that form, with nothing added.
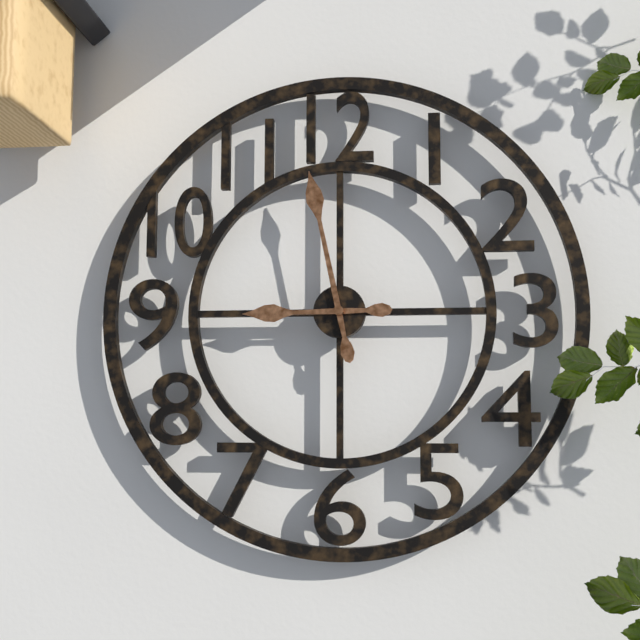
8h58
